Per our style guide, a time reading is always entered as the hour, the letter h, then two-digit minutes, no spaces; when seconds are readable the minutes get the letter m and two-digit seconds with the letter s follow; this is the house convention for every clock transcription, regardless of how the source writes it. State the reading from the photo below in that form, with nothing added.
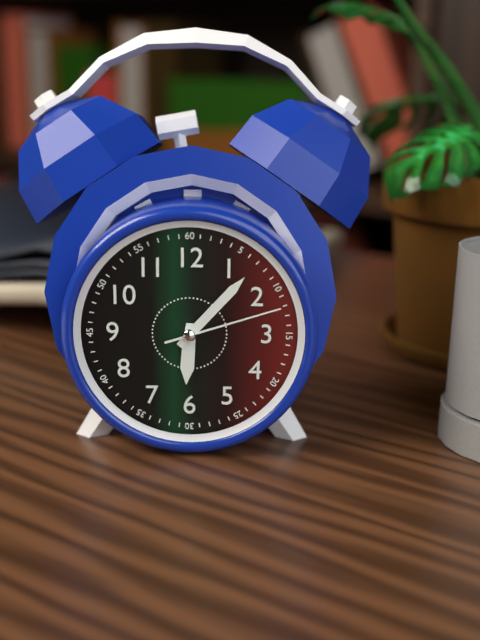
6h07m12s
